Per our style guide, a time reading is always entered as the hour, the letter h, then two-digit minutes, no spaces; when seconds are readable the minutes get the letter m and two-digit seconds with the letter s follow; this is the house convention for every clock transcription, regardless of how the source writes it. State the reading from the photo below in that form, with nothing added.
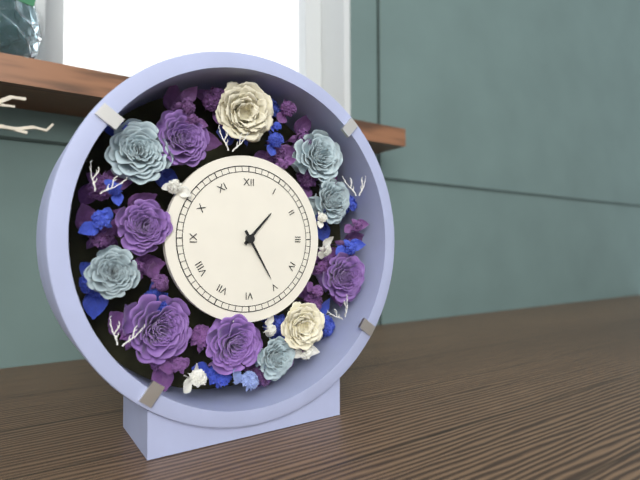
1h25
